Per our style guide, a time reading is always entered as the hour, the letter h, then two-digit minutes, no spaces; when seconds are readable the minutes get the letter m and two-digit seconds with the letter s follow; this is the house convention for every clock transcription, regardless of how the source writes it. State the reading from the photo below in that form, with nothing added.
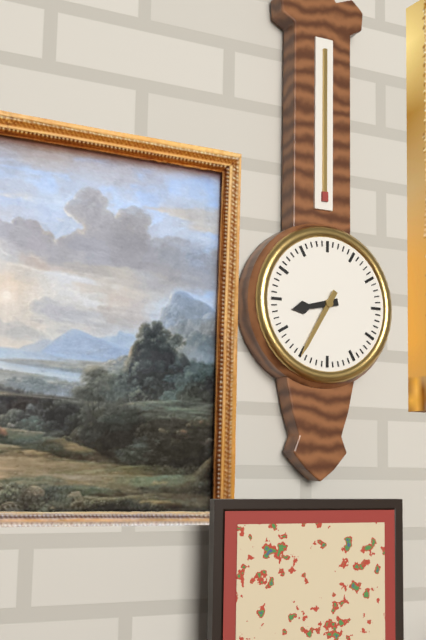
8h35
